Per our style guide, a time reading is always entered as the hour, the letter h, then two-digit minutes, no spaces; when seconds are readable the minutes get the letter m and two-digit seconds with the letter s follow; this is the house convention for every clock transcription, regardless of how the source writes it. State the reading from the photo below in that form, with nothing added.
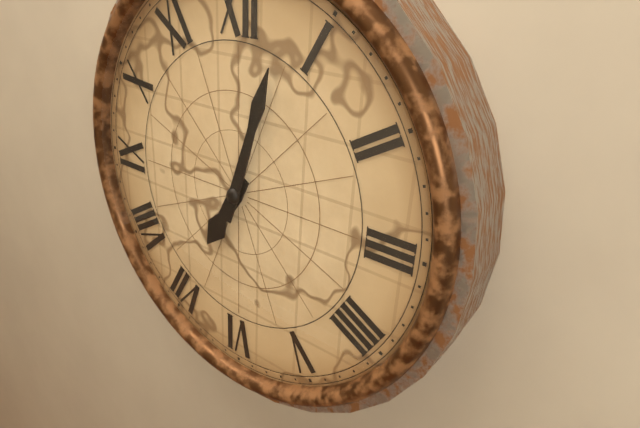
7h03
